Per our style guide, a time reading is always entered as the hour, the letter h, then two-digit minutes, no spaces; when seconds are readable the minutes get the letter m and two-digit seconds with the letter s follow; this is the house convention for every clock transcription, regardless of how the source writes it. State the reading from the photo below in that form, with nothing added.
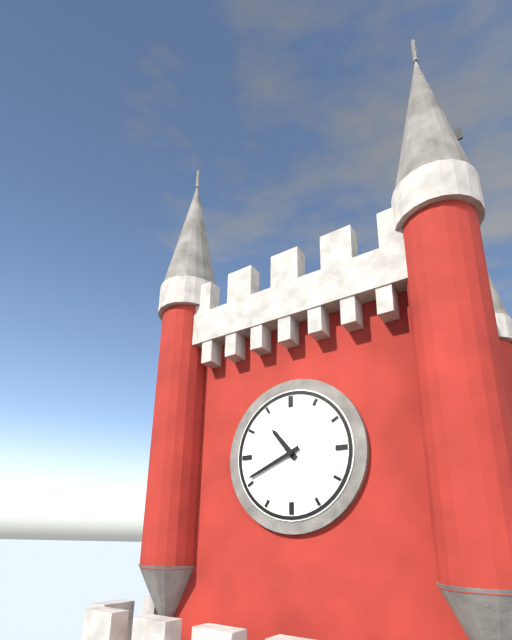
10h41
